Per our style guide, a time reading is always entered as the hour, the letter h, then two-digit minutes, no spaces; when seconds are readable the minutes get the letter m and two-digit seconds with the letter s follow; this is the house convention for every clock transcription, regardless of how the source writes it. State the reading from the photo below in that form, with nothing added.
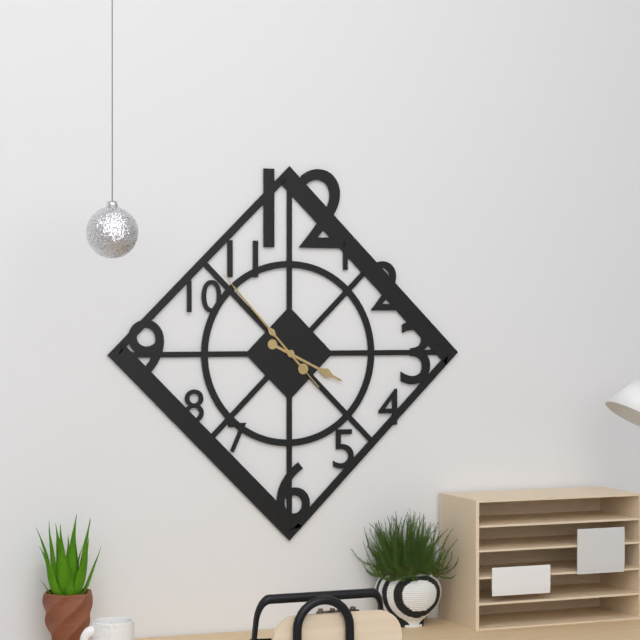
3h53m53s
